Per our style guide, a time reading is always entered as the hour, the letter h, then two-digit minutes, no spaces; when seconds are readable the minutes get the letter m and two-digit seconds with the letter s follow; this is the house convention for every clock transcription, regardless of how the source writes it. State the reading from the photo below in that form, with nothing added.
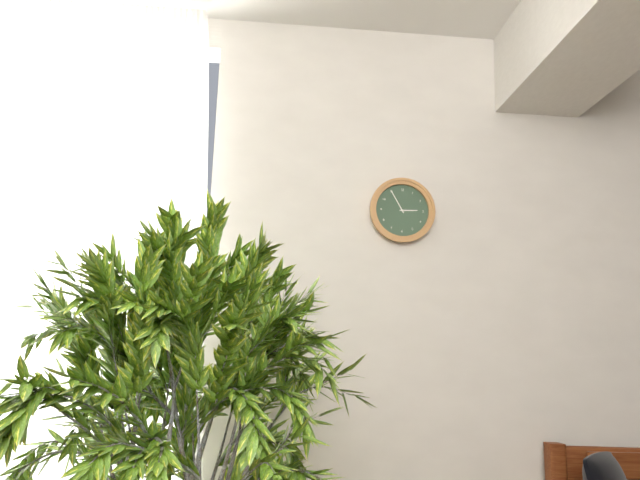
2h55
